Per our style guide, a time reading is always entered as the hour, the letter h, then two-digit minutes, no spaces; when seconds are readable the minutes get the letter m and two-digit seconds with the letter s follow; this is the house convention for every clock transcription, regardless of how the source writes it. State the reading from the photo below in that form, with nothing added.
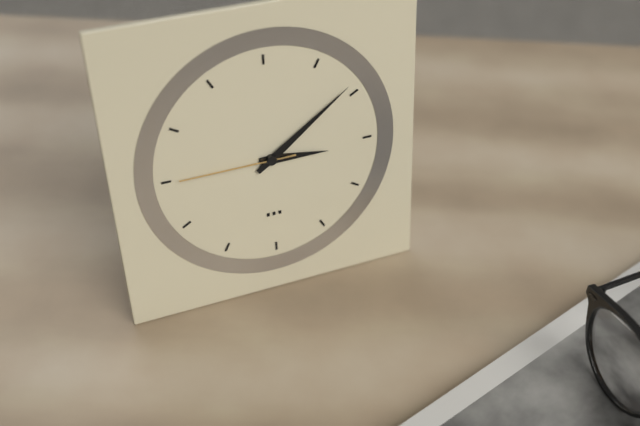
3h09m45s
